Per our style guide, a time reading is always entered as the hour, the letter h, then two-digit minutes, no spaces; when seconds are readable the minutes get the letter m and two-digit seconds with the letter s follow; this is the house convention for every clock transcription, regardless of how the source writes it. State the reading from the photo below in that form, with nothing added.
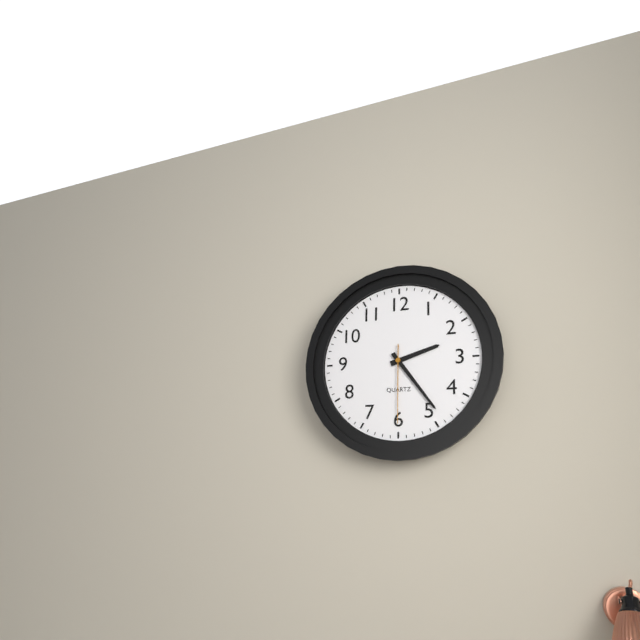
2h24m30s
